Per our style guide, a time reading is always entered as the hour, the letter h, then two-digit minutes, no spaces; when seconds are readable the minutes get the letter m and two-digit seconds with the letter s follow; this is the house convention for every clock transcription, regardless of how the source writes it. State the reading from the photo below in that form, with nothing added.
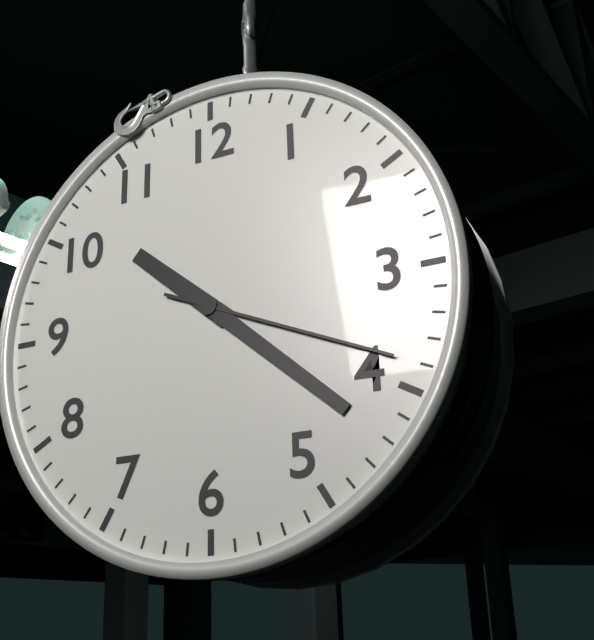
10h22m19s
